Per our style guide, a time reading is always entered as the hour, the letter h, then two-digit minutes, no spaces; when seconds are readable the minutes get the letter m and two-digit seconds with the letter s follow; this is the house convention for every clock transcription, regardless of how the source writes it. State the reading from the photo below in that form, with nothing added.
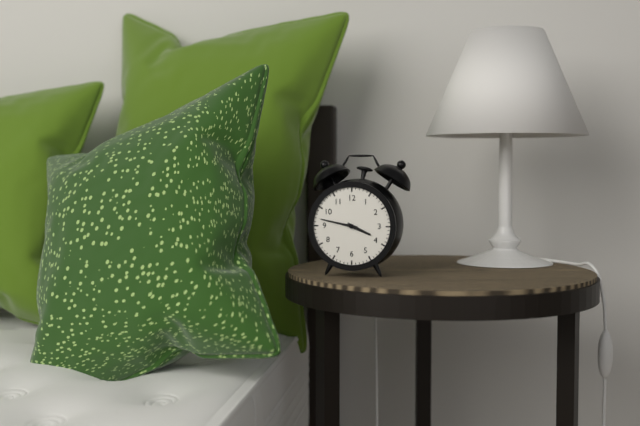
3h47
